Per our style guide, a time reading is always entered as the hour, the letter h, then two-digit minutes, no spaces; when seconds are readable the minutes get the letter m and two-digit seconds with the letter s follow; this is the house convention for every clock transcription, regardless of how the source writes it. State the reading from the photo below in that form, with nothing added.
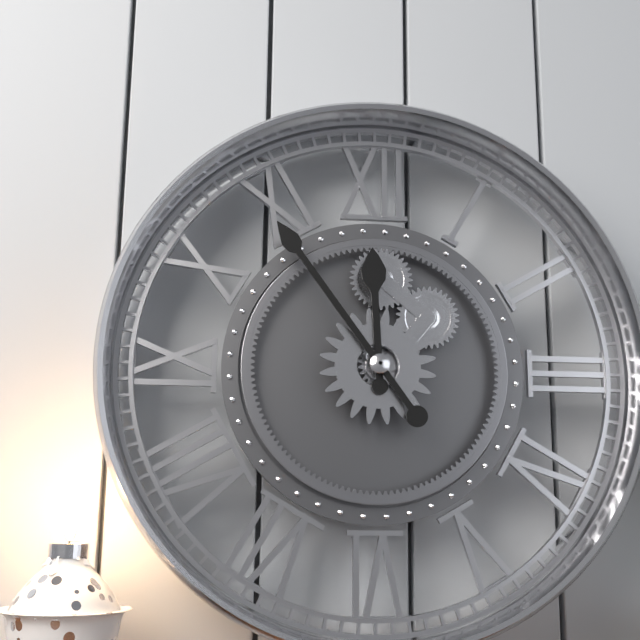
11h54
